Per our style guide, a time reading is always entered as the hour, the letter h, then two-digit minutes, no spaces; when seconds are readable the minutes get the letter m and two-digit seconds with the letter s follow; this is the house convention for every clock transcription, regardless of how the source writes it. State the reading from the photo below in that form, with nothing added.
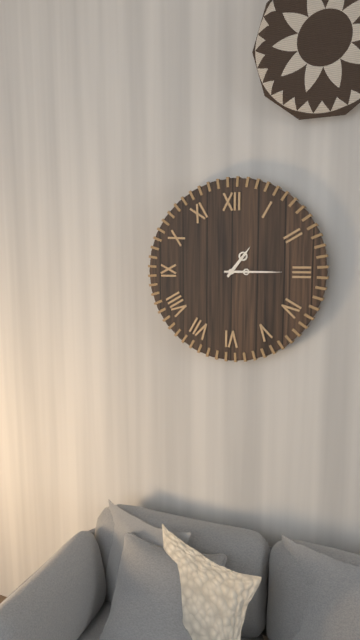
1h15
